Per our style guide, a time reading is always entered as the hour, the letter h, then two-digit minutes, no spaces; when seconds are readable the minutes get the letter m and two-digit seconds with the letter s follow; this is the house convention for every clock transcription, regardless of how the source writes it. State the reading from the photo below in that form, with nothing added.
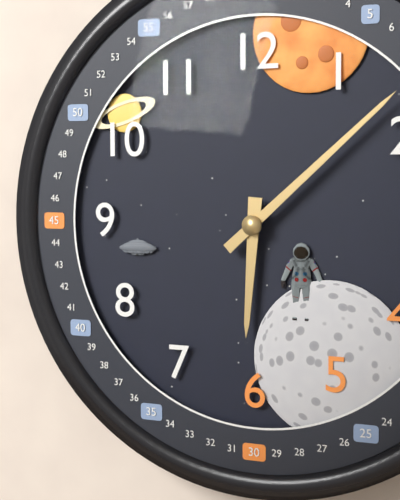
6h08
